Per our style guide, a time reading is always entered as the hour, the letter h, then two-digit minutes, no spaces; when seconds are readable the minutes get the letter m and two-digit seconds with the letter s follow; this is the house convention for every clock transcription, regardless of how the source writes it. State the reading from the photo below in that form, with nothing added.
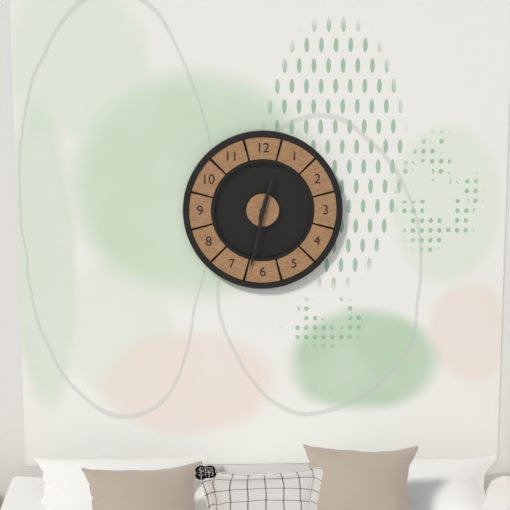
12h32
